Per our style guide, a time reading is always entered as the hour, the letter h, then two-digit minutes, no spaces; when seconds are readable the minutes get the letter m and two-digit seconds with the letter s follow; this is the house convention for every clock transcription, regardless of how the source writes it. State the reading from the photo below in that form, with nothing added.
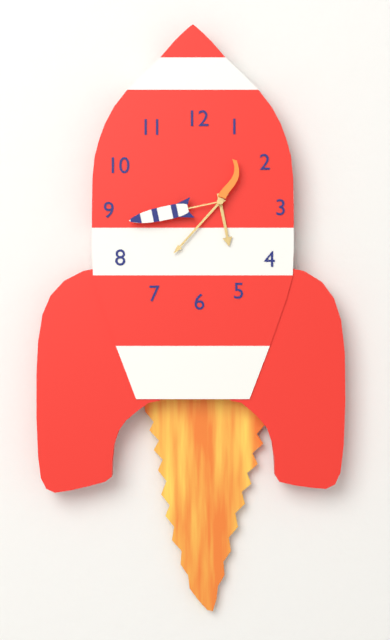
5h37m43s
